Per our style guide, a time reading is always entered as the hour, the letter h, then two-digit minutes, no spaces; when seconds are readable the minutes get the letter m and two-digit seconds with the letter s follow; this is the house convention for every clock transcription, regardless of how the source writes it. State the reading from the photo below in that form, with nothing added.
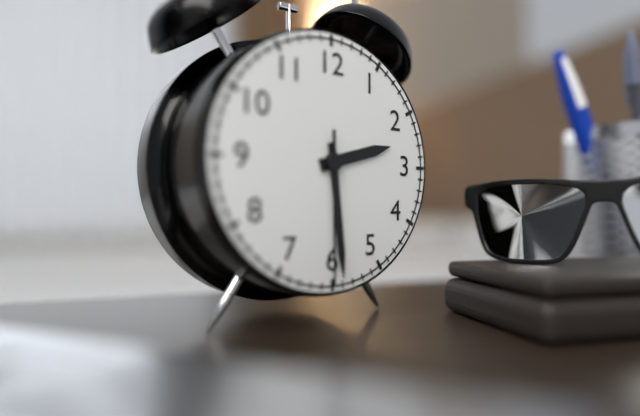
2h29m30s
